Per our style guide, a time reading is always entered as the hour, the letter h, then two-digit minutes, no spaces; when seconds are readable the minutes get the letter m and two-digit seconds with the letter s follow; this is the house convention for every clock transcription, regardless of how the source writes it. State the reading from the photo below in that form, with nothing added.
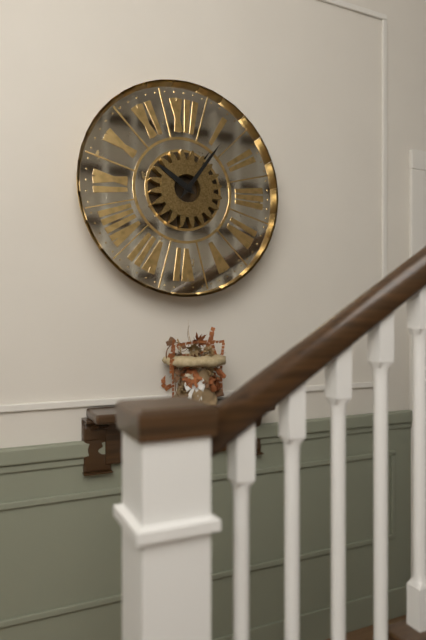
10h06
